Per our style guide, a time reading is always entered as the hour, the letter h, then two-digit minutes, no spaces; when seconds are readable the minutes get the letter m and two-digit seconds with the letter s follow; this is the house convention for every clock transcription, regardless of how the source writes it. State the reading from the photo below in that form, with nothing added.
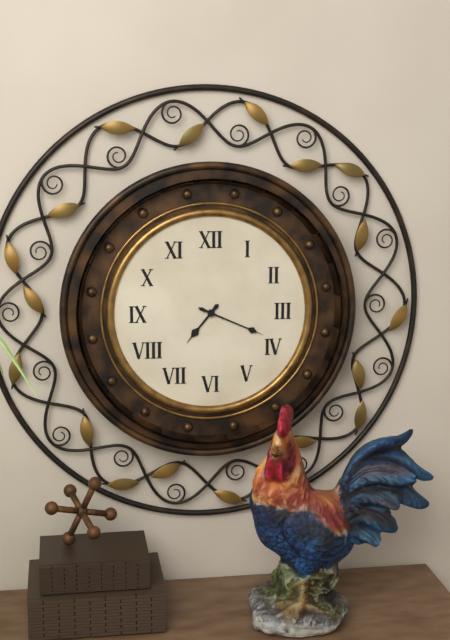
7h19
